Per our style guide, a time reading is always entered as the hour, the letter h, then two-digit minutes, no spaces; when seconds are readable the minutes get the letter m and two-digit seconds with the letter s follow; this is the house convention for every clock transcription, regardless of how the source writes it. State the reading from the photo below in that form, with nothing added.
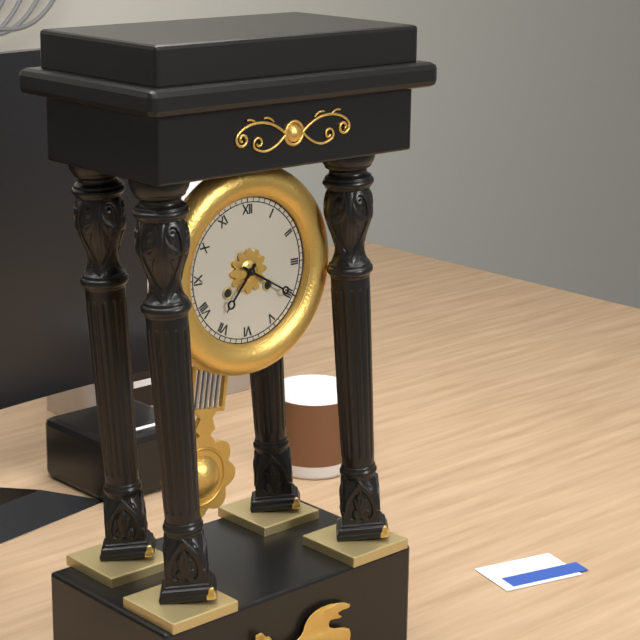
7h20
